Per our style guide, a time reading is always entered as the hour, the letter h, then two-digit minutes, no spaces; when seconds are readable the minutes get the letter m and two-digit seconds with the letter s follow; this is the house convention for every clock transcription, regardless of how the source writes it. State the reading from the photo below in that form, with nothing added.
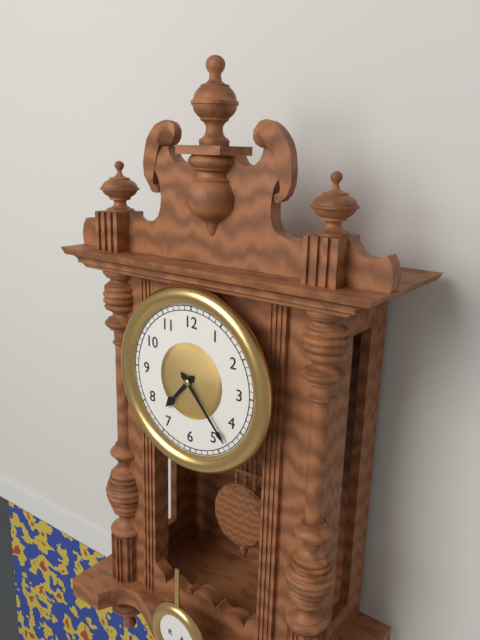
7h23
